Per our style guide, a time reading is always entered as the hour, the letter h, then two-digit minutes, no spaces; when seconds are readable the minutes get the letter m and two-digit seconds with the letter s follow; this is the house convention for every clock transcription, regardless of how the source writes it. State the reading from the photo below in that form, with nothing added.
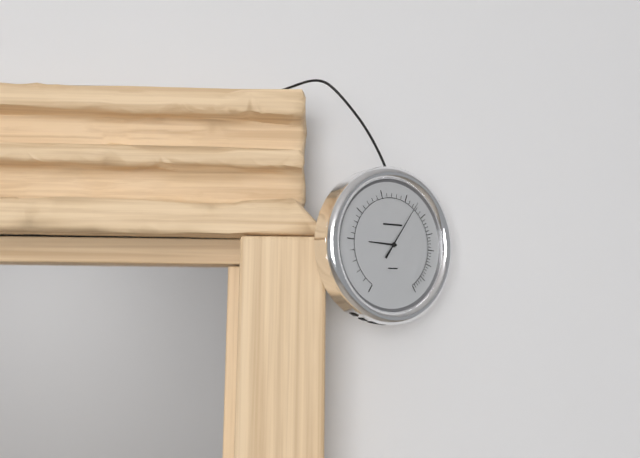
9h06
